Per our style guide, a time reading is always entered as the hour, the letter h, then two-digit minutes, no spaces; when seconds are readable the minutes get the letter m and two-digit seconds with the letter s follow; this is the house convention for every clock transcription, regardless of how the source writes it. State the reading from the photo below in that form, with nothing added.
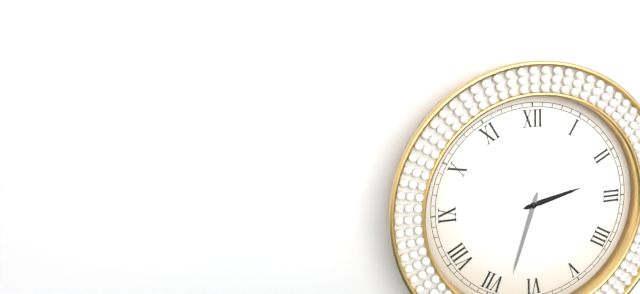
2h33
